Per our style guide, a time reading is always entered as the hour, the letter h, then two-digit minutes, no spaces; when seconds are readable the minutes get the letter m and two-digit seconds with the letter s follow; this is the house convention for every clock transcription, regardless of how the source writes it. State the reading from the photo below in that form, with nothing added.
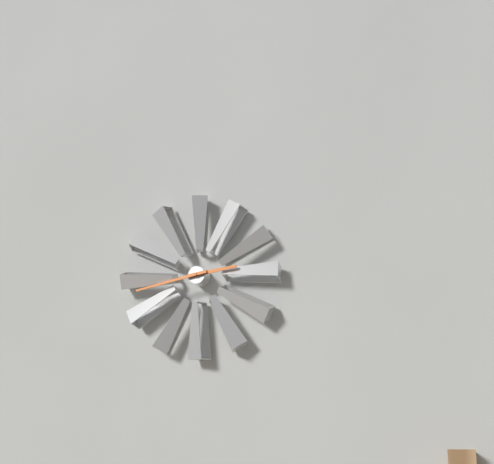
2h43
